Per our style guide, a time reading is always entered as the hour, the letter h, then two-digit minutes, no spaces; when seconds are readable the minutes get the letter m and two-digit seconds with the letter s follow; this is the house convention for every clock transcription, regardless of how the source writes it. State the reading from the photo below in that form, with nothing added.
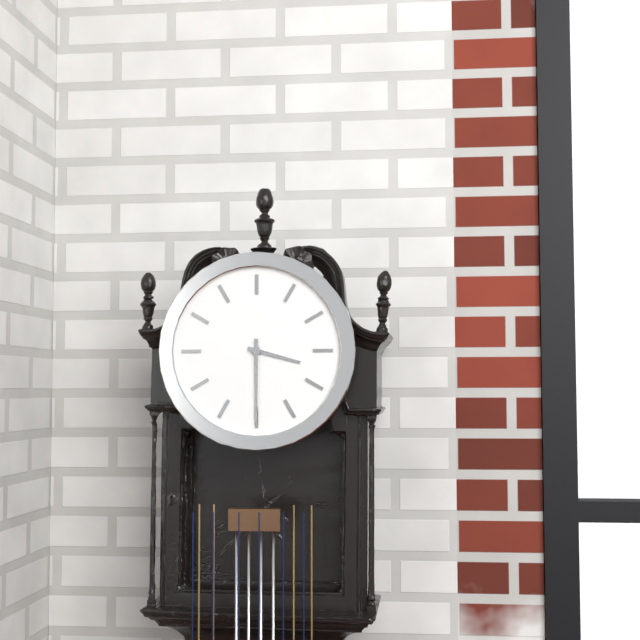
3h30
